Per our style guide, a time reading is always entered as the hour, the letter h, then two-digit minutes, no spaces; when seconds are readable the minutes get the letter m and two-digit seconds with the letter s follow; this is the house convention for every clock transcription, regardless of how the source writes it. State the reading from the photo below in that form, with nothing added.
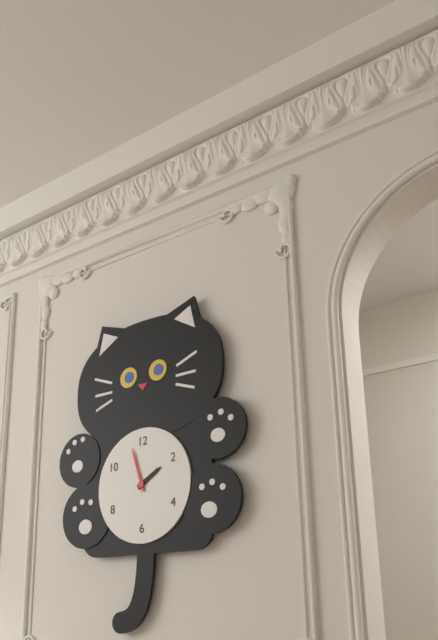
1h57
